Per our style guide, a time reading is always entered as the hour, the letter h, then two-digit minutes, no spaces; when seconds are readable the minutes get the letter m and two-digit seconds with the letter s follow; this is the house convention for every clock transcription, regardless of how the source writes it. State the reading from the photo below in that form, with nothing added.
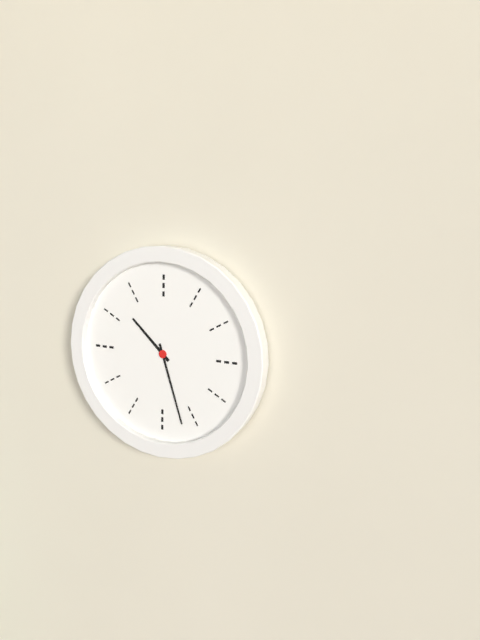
10h27
